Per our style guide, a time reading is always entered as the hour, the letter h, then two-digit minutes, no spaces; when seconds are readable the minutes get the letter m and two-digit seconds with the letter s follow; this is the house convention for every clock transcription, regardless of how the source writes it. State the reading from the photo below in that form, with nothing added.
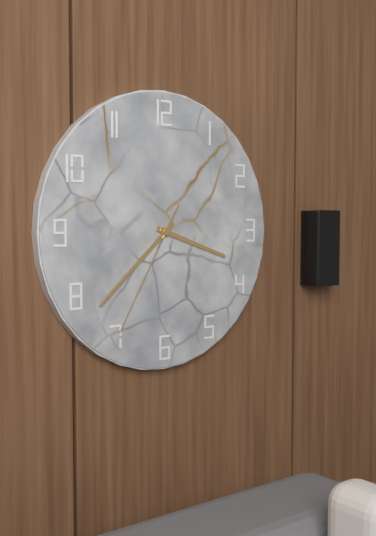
3h38m35s
